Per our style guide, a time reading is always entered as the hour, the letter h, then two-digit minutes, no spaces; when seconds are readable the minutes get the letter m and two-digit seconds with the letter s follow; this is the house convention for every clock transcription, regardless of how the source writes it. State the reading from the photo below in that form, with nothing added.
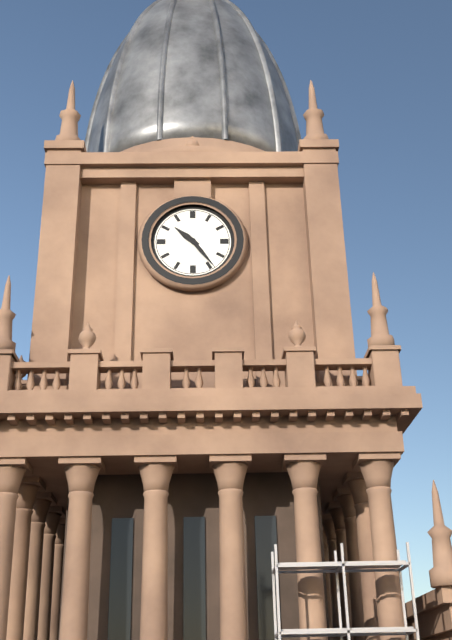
10h24
